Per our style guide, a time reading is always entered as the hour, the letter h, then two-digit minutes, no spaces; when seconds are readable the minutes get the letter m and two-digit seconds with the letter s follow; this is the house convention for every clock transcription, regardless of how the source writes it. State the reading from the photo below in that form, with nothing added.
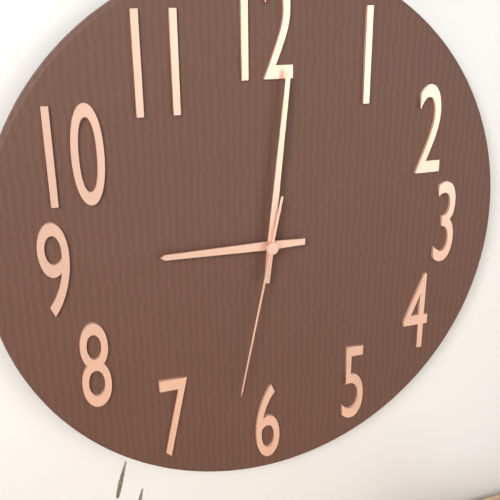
9h01m32s
